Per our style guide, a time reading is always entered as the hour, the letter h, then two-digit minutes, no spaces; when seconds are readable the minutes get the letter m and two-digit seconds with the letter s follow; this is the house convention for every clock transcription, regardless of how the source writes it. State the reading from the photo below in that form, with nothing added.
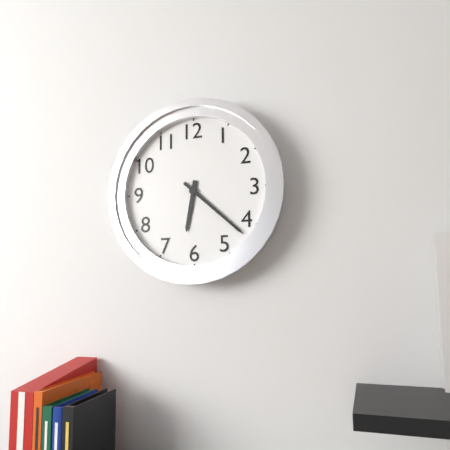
6h22
